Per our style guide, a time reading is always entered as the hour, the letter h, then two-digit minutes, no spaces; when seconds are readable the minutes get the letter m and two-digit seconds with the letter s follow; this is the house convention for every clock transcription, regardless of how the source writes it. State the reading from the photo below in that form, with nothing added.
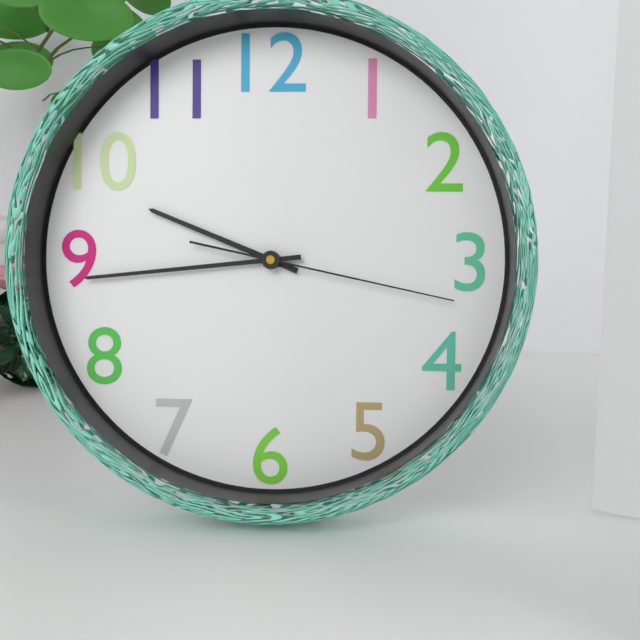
9h44m17s
